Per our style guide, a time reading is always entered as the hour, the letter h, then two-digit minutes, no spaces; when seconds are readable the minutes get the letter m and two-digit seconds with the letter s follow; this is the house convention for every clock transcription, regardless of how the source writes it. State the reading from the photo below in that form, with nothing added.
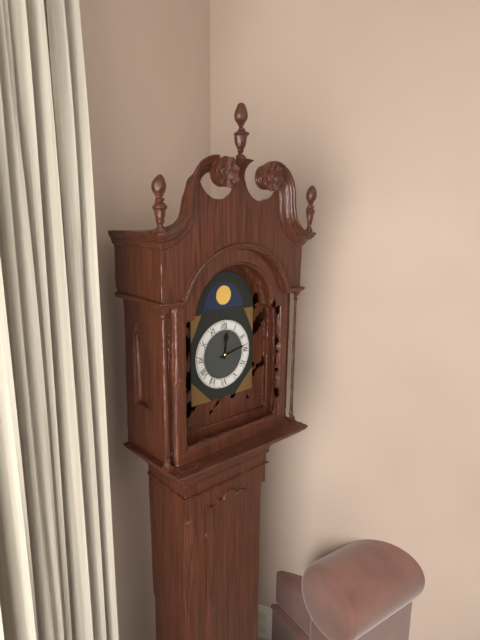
12h13
